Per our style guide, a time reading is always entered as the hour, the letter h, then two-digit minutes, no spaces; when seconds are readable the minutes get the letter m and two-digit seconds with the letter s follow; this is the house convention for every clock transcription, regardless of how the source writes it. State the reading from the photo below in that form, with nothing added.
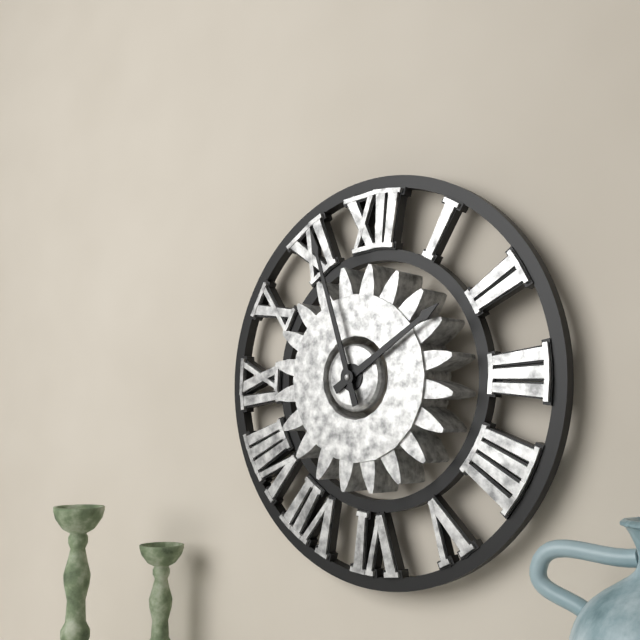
1h57
